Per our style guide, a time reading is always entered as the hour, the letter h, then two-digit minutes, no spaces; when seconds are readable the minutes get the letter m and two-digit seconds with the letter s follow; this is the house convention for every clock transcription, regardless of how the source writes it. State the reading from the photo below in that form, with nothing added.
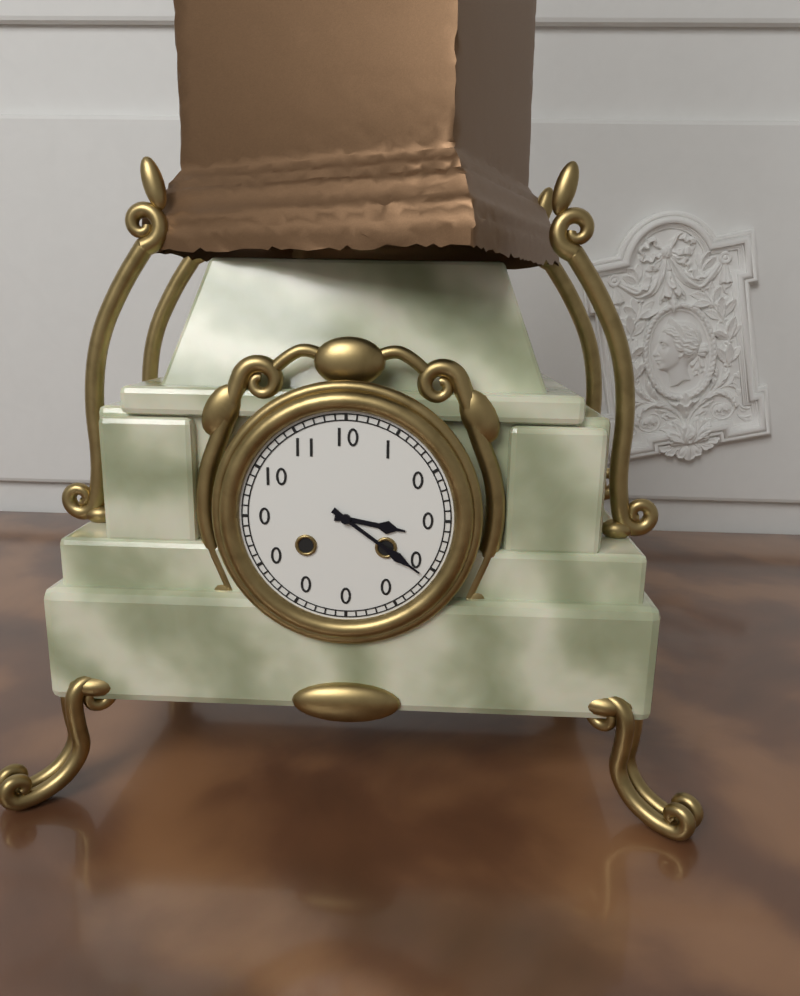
3h21
